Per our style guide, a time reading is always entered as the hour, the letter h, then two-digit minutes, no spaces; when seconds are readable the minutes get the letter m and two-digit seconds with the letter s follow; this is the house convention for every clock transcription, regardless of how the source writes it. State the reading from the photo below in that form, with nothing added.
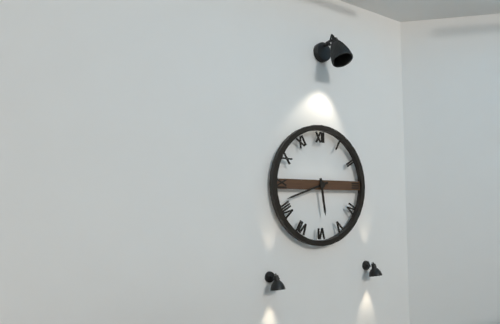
5h42
